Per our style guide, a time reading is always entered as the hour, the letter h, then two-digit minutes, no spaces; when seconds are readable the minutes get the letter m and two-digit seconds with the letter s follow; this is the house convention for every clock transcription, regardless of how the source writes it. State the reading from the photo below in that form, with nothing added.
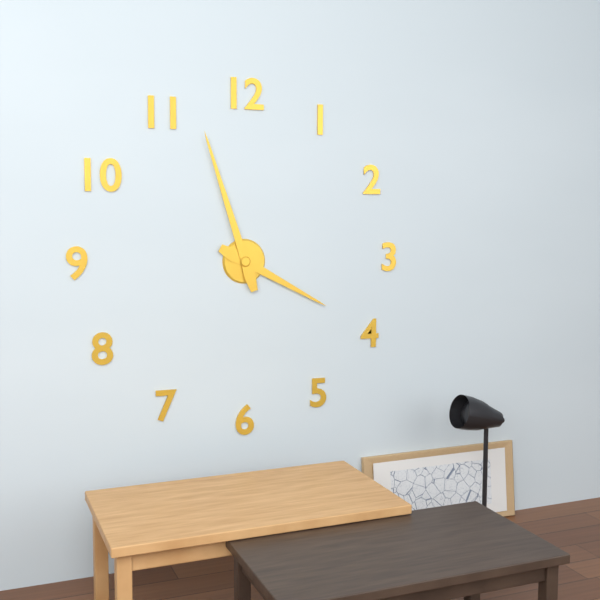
3h57
